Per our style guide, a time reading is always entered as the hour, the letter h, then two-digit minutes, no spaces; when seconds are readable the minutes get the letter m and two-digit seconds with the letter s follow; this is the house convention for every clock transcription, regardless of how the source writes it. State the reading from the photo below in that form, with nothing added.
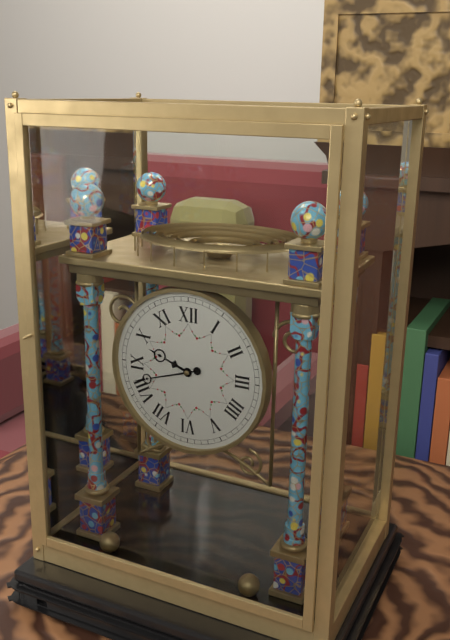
9h42
